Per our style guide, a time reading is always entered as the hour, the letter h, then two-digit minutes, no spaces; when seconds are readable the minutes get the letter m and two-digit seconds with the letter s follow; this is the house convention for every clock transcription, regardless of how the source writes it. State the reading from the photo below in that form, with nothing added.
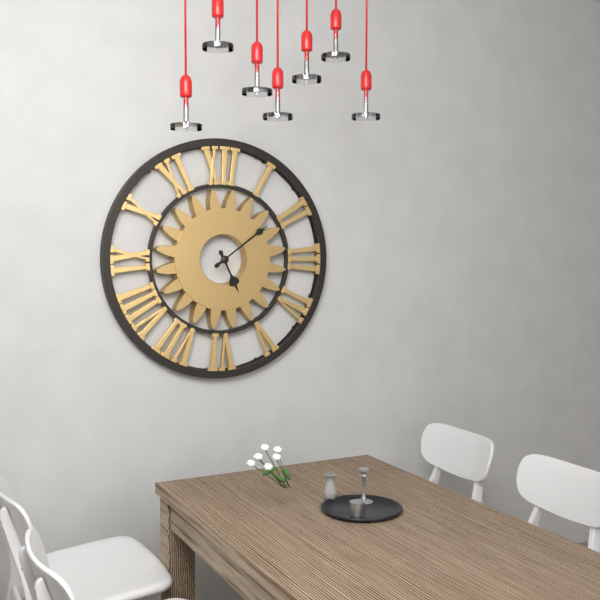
5h09
